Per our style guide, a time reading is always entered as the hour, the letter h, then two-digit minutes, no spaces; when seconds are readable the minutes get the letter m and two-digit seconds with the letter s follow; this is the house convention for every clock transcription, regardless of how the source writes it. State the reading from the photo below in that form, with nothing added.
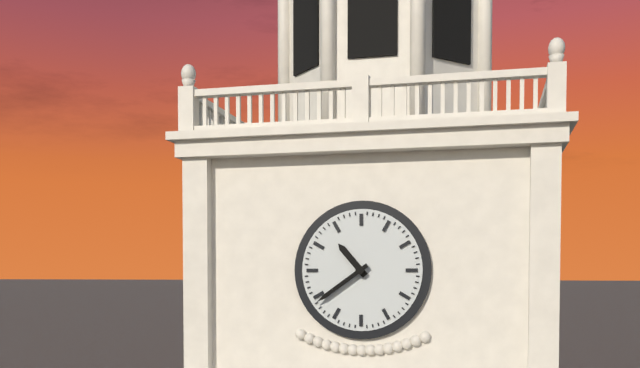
10h39
